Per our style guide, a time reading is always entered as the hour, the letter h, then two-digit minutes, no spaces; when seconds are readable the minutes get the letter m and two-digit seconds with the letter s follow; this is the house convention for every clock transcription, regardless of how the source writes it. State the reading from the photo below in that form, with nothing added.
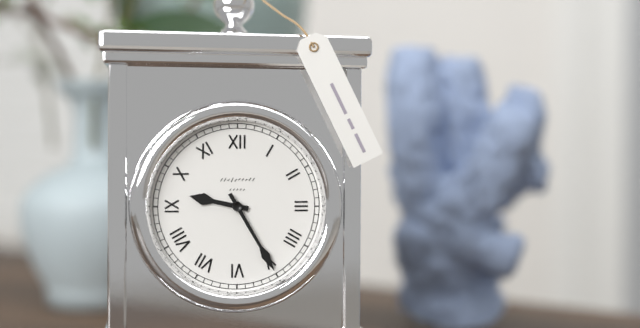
9h25
